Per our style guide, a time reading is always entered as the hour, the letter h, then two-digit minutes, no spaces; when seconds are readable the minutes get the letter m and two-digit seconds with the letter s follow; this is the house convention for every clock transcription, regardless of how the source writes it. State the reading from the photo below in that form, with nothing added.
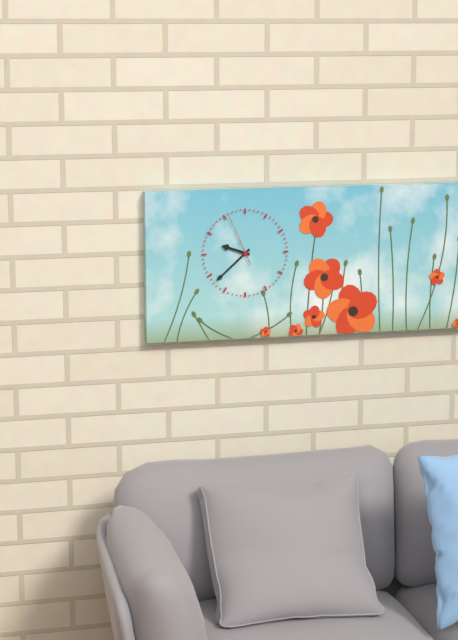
9h38m56s
